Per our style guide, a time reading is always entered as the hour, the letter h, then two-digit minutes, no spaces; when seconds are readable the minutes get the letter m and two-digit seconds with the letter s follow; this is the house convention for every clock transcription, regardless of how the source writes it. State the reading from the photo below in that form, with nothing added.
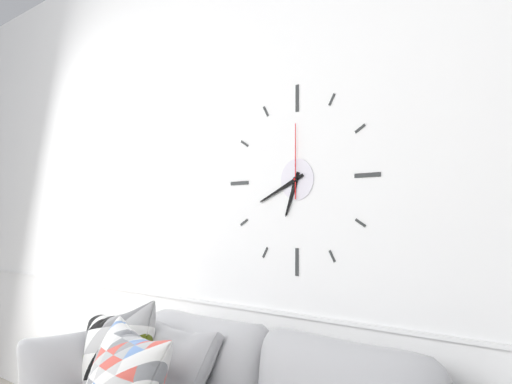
6h41m00s
